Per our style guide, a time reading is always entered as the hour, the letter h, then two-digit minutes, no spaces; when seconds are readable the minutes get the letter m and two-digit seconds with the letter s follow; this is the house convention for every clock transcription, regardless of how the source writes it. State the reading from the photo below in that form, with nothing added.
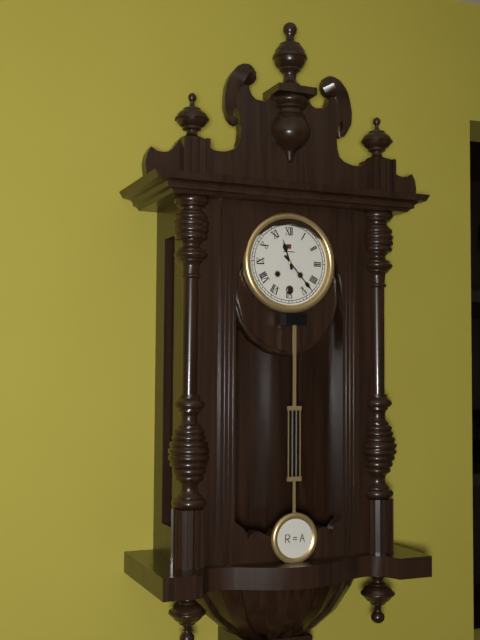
11h23
